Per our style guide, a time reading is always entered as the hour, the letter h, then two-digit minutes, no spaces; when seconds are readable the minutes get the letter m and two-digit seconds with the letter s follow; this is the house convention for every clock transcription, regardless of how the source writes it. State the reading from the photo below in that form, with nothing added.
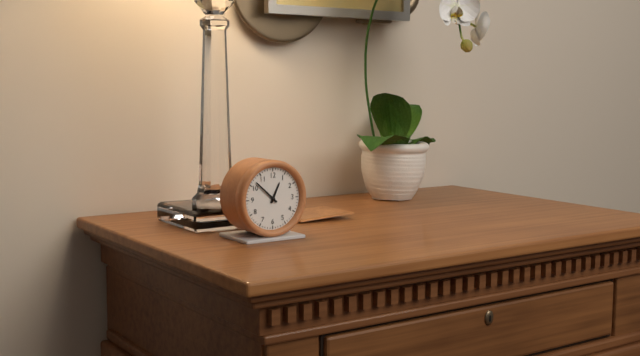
12h52
